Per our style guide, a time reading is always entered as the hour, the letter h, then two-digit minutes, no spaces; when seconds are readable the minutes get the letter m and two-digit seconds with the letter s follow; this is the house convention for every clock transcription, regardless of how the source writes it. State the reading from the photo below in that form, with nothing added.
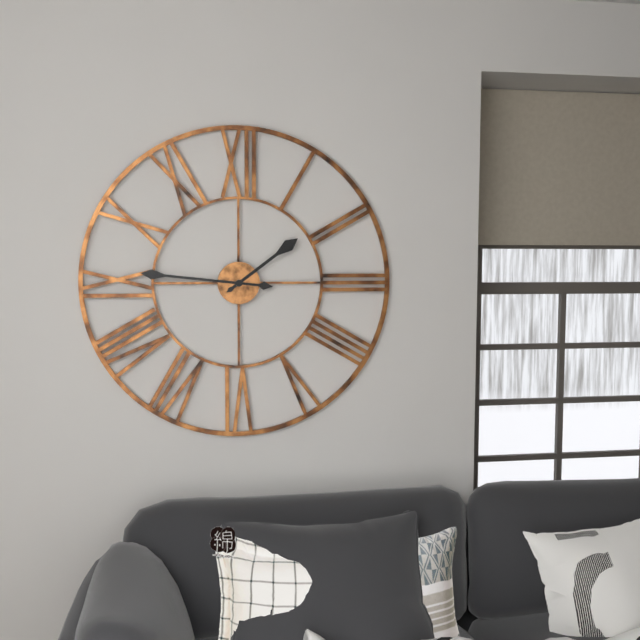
1h46
